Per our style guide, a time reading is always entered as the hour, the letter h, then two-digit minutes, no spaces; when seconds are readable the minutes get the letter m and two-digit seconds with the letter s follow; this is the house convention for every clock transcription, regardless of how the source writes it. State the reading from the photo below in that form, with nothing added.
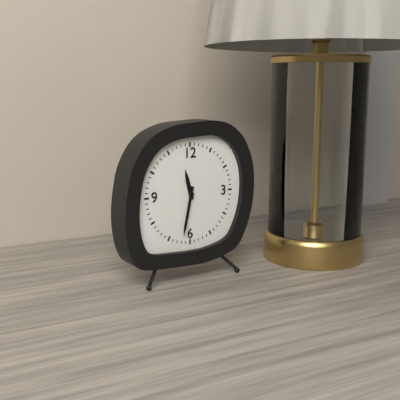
11h32
